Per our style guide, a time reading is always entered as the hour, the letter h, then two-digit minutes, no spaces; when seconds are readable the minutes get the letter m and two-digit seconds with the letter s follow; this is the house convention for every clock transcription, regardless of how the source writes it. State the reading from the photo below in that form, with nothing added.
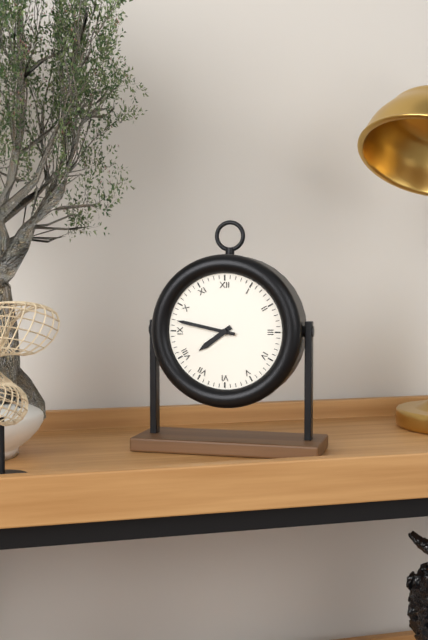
7h47
